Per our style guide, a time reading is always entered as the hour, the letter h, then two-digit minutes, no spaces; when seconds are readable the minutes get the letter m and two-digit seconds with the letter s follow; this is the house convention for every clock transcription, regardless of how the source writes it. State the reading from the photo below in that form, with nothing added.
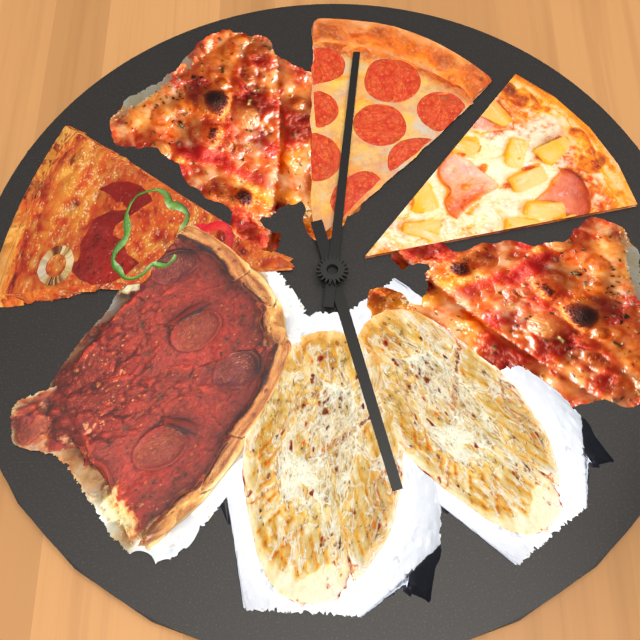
11h31
